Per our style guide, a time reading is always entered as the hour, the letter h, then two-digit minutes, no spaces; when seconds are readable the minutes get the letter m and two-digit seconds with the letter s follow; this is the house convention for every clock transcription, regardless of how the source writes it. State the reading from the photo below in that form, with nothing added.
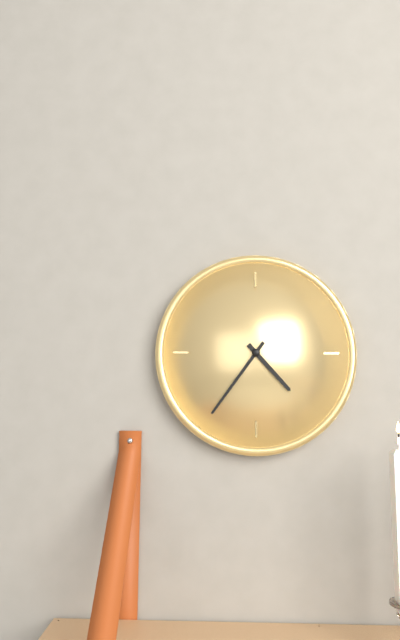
4h36
